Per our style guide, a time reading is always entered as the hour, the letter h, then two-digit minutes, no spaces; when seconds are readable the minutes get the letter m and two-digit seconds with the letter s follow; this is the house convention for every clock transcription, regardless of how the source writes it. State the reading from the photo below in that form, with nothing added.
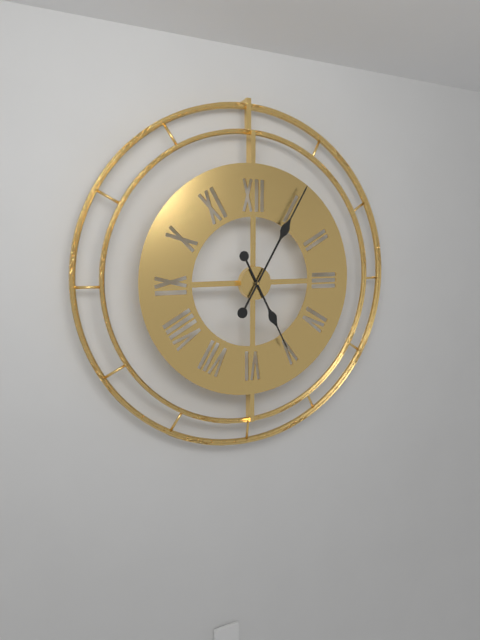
5h05
